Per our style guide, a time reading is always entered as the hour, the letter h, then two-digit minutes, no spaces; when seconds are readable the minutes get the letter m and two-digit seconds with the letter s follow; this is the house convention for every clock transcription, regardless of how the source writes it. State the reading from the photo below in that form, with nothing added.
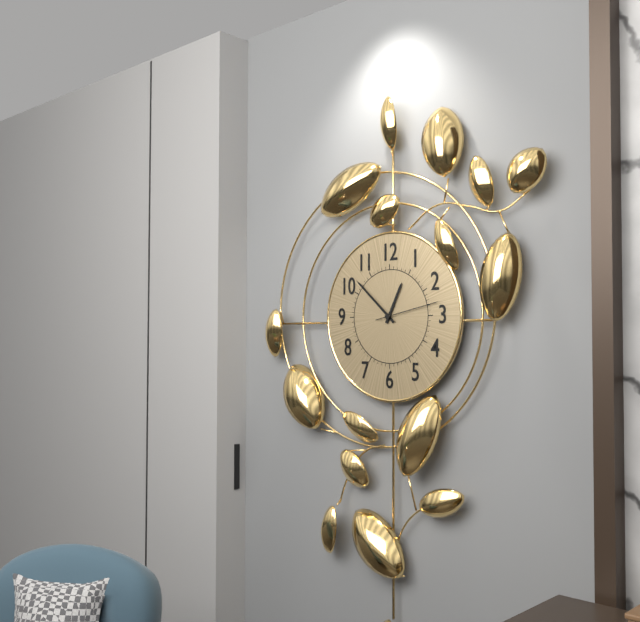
12h52m13s
